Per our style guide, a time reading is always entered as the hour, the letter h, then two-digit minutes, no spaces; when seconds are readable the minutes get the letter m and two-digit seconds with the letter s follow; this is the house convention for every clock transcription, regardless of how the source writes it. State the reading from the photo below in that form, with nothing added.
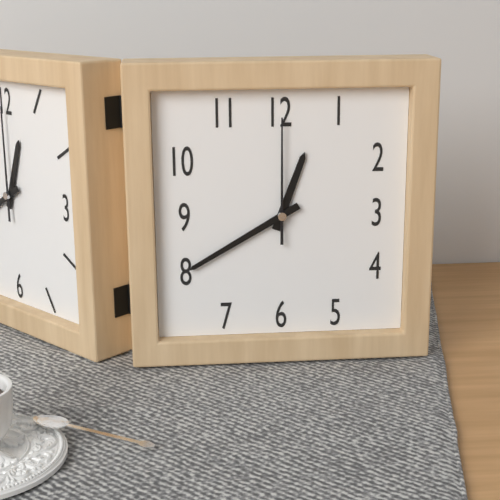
12h40m00s
